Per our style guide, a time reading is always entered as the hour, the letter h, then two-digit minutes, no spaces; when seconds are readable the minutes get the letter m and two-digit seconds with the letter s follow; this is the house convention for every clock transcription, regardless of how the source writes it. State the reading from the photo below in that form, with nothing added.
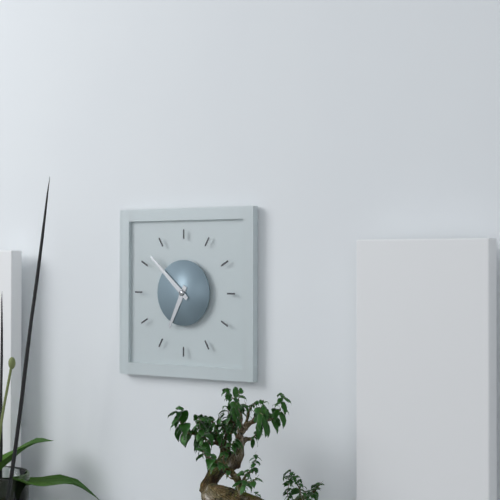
6h52
